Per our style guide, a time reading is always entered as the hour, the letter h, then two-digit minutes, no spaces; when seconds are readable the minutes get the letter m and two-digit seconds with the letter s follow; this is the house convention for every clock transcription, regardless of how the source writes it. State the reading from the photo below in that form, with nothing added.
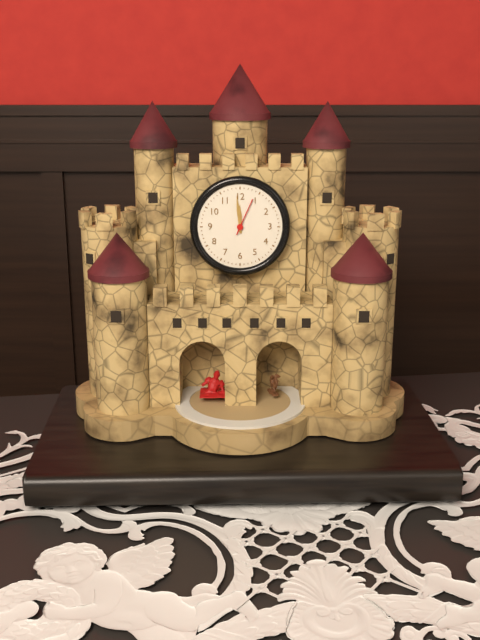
11h59
